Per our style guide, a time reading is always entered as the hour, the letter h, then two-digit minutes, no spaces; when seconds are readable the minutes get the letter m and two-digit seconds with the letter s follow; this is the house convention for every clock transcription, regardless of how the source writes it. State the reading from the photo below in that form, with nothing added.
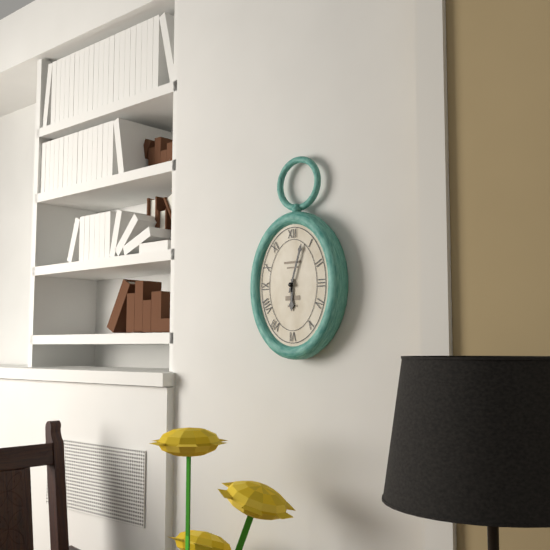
6h03
